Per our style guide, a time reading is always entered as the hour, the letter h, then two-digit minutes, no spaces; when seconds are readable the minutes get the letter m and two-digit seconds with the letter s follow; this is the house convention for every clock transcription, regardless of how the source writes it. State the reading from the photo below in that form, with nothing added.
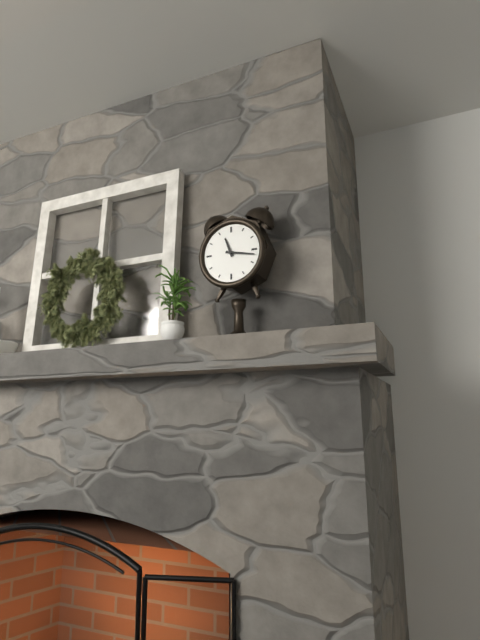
11h17
